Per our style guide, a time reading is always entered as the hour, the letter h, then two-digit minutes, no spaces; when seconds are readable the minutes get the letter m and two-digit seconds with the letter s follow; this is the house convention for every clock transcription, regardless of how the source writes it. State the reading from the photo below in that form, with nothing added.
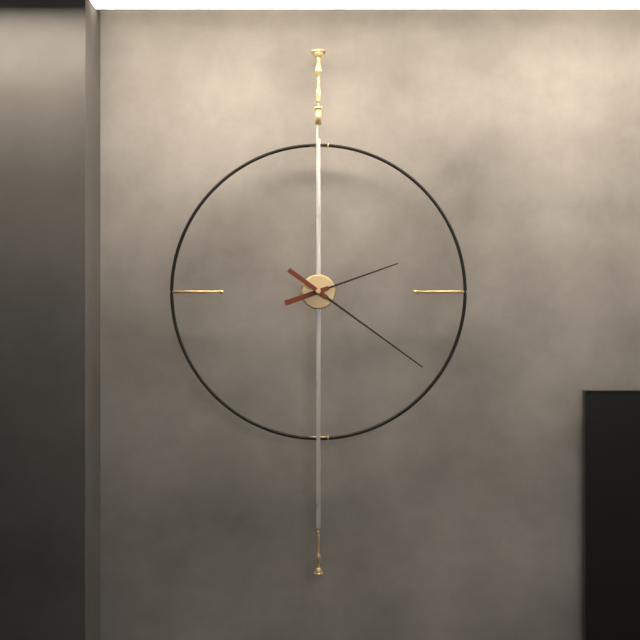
2h21
